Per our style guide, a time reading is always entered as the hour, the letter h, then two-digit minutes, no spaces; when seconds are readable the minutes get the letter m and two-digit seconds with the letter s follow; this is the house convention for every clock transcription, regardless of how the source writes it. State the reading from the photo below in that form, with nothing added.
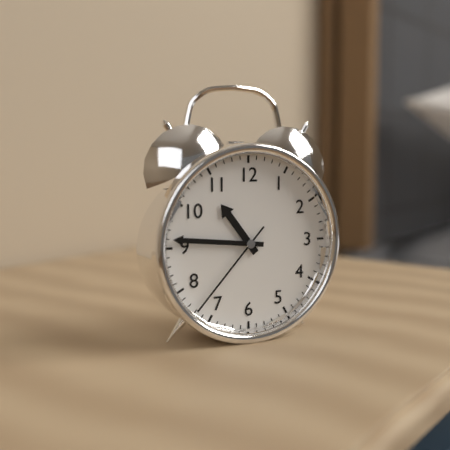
10h46m37s
